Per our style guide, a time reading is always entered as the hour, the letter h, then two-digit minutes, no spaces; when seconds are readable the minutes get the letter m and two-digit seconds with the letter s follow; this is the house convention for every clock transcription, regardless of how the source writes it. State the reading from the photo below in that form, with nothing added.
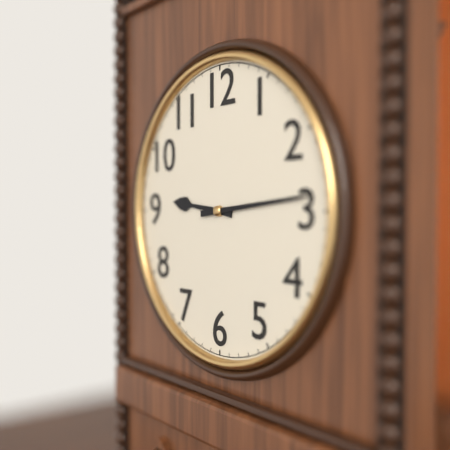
9h14
